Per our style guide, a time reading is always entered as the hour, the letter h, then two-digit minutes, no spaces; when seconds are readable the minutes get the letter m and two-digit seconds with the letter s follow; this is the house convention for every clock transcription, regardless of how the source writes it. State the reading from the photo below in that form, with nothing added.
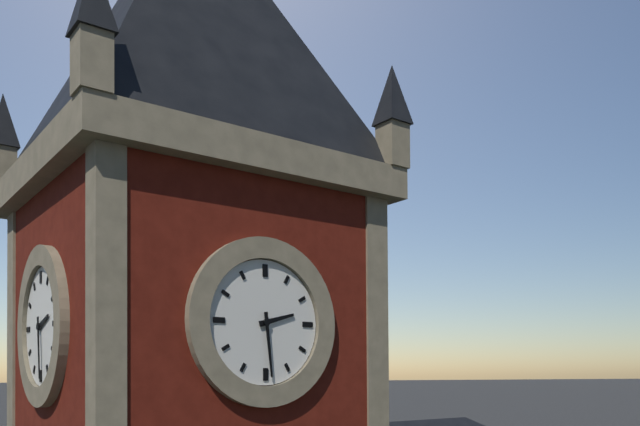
2h29
